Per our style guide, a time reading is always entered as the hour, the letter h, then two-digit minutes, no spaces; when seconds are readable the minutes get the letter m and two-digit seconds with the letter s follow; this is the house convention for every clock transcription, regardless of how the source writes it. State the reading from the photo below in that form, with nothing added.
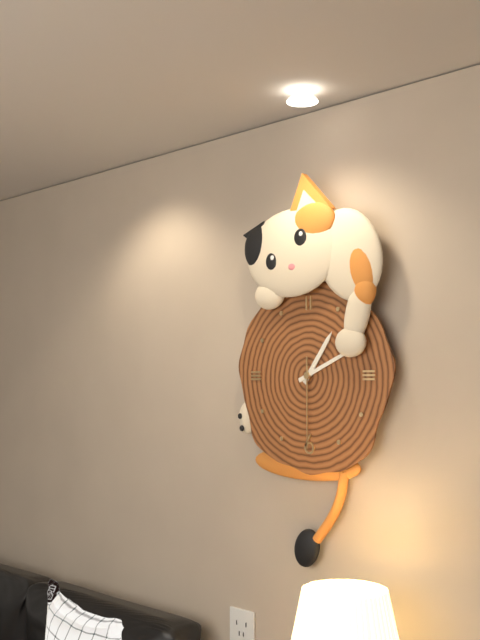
1h11m30s
